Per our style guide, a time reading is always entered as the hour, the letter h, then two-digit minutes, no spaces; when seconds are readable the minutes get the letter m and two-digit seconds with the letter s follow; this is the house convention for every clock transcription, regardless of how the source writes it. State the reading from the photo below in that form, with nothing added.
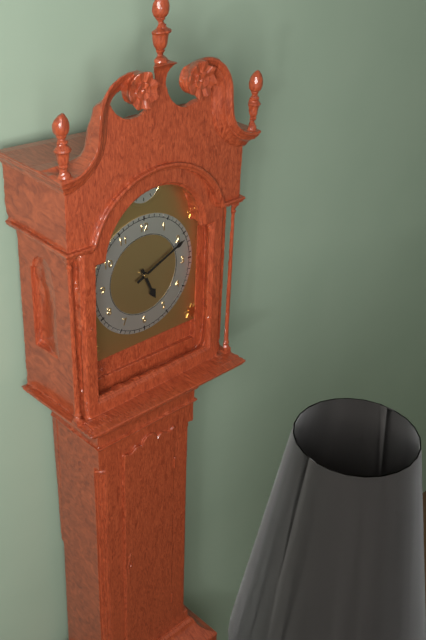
5h11
